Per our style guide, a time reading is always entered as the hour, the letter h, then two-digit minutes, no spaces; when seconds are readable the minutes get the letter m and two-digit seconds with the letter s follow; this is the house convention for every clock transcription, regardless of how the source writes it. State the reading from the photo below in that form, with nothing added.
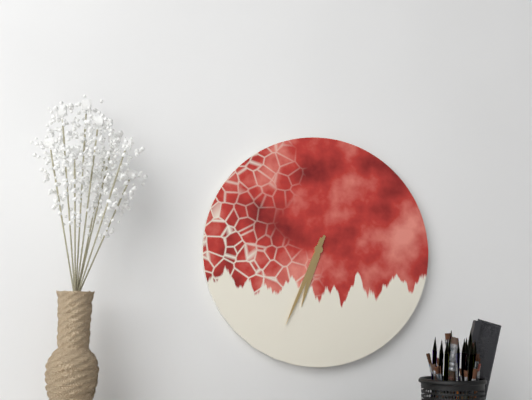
6h34
